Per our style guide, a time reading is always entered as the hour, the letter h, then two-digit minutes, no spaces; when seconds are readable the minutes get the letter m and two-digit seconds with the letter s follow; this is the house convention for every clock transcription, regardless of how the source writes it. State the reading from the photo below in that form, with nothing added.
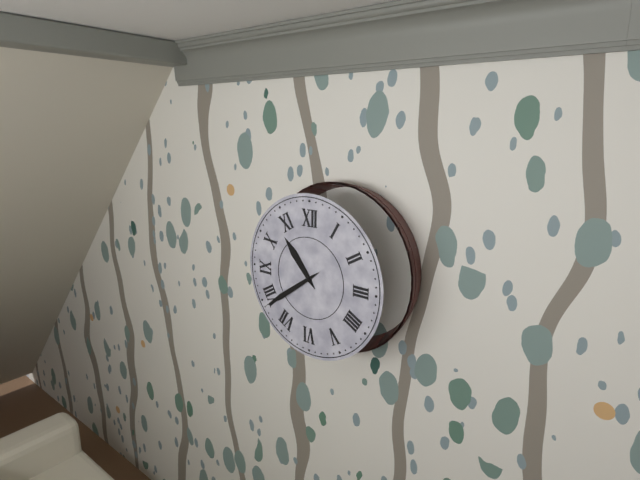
10h39
